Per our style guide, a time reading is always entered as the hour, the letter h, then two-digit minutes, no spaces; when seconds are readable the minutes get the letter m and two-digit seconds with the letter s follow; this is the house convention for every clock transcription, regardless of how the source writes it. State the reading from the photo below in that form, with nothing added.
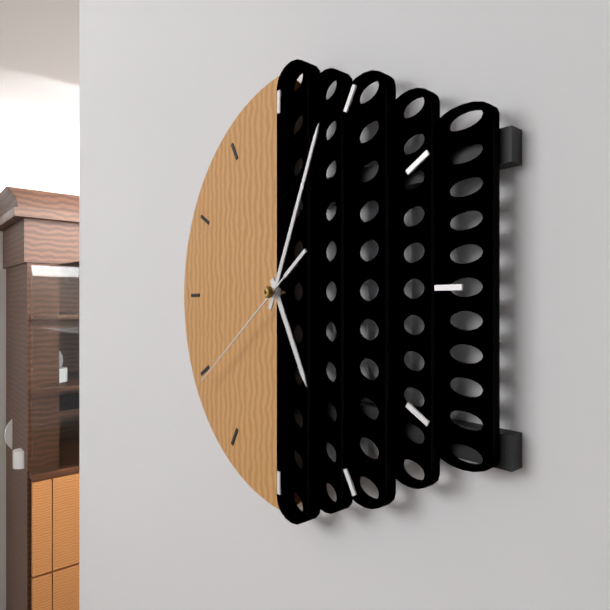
5h04m39s
